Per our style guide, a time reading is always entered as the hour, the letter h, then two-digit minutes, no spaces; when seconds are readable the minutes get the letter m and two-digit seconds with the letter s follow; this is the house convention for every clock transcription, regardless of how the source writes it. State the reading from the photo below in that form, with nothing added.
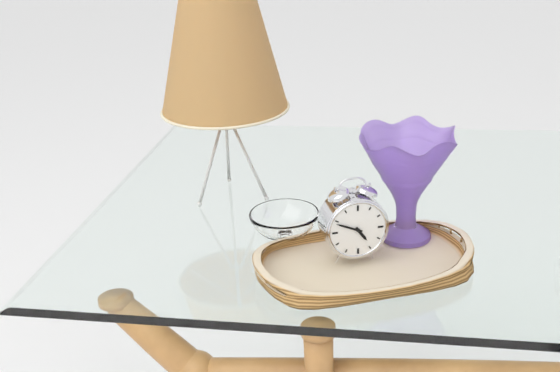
4h49
